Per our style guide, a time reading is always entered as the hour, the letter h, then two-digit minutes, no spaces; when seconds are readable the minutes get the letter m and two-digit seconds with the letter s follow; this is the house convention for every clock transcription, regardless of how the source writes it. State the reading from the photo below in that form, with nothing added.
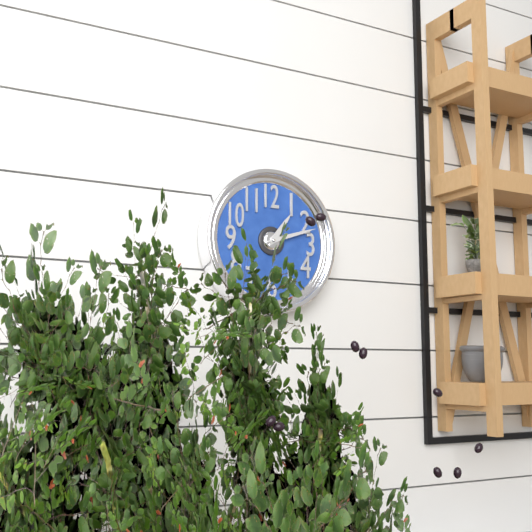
1h12
